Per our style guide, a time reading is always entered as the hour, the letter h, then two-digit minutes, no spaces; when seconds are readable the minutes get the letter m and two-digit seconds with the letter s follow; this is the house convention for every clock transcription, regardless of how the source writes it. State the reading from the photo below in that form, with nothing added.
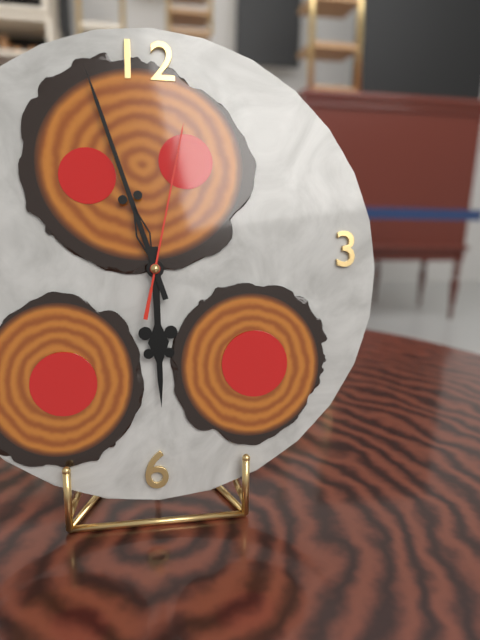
5h57m02s
